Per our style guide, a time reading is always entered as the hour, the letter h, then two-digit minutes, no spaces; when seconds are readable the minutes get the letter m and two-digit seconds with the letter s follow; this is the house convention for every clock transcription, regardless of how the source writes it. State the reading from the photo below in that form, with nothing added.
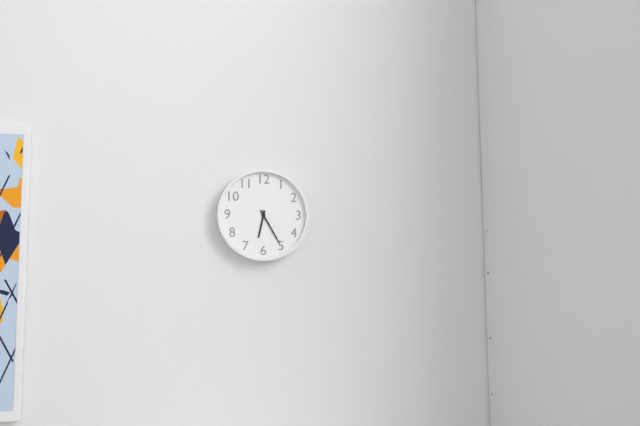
6h25
